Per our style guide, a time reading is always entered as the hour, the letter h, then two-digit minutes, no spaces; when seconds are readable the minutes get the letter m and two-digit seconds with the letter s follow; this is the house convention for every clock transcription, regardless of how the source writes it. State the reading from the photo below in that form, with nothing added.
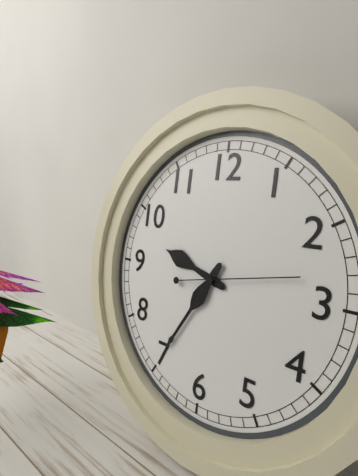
9h35m13s
